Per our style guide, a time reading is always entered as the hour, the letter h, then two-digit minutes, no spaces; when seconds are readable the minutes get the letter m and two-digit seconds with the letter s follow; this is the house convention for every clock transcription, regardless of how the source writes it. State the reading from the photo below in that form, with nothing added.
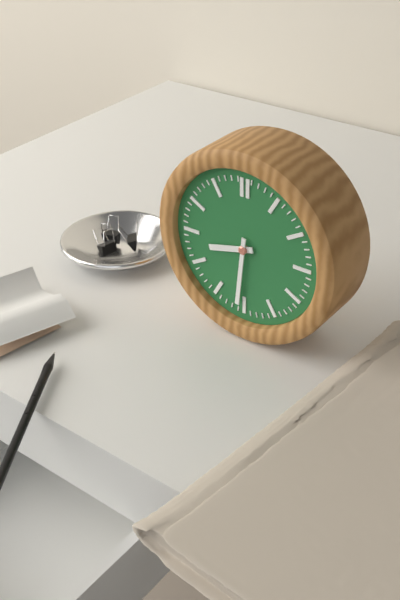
8h31
